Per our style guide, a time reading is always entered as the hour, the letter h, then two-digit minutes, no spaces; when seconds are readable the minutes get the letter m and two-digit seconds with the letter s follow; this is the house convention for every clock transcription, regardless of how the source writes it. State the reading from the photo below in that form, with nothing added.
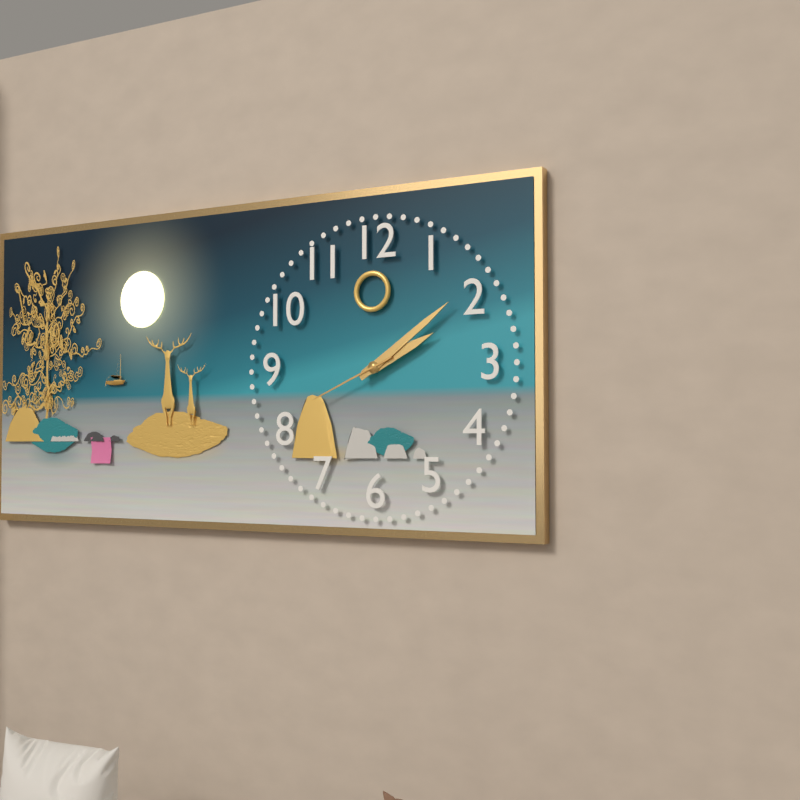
2h09m41s
